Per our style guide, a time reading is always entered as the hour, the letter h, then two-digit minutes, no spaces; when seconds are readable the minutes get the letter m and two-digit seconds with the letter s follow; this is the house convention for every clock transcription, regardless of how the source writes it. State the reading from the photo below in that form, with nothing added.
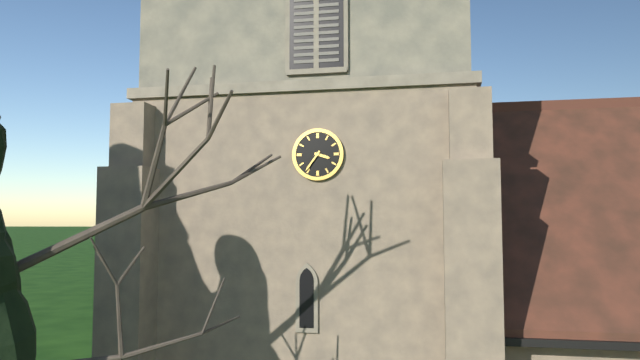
3h36
